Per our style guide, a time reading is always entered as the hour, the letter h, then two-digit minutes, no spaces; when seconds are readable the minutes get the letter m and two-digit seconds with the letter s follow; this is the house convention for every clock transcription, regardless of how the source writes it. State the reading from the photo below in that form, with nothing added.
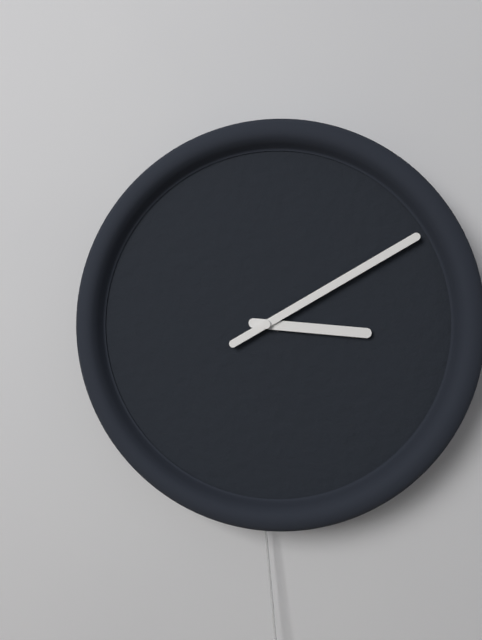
3h10
